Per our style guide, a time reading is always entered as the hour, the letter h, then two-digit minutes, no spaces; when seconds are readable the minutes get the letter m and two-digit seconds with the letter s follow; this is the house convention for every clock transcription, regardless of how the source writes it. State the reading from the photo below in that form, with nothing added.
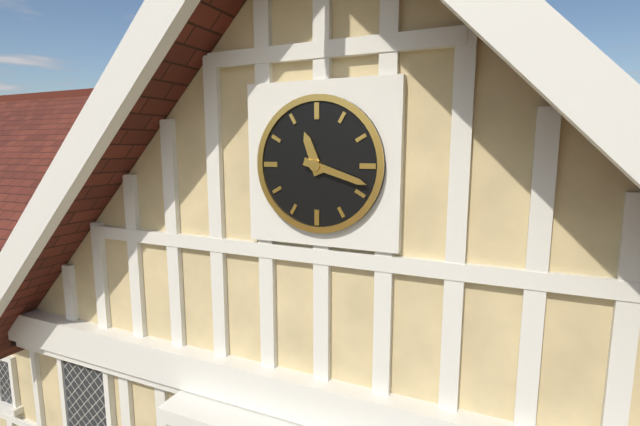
11h18
